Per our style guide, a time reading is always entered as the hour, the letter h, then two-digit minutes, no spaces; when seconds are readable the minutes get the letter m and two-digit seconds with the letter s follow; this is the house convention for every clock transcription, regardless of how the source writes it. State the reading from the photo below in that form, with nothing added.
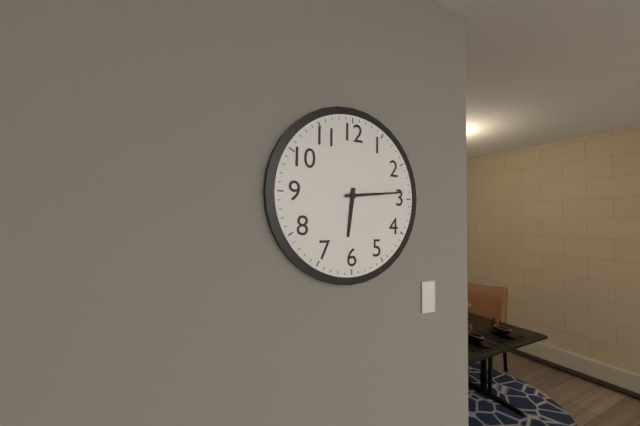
6h14
